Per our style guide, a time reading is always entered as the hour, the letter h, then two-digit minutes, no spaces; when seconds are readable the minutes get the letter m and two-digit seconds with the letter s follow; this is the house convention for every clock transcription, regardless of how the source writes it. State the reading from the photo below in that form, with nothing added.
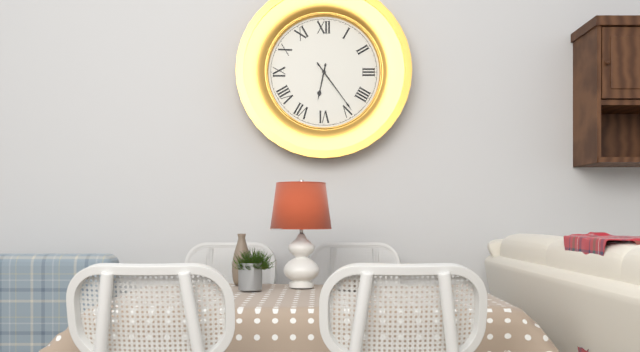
6h24
